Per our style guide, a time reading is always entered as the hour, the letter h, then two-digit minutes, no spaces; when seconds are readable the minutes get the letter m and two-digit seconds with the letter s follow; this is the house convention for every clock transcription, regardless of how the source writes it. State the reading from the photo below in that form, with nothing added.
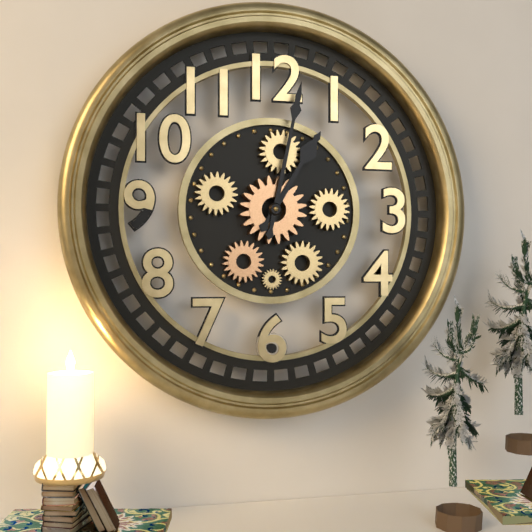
1h02
